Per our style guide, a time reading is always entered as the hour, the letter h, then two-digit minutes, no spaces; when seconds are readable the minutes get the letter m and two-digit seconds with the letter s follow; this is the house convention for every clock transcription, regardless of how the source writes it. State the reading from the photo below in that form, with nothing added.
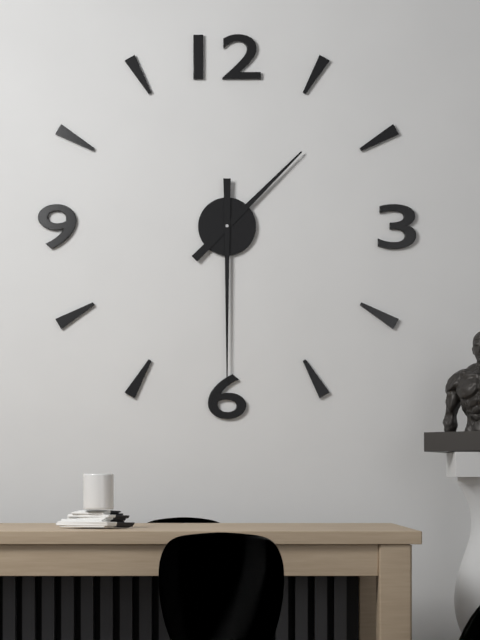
1h30
